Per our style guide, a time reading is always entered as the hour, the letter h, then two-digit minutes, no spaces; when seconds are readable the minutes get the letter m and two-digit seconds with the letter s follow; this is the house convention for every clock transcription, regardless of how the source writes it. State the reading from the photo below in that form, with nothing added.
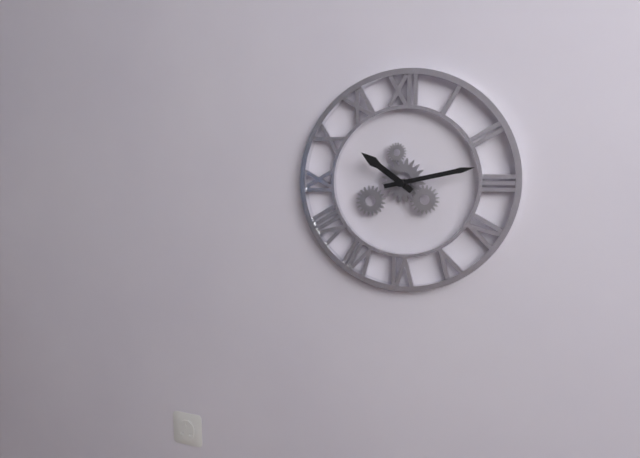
10h13
